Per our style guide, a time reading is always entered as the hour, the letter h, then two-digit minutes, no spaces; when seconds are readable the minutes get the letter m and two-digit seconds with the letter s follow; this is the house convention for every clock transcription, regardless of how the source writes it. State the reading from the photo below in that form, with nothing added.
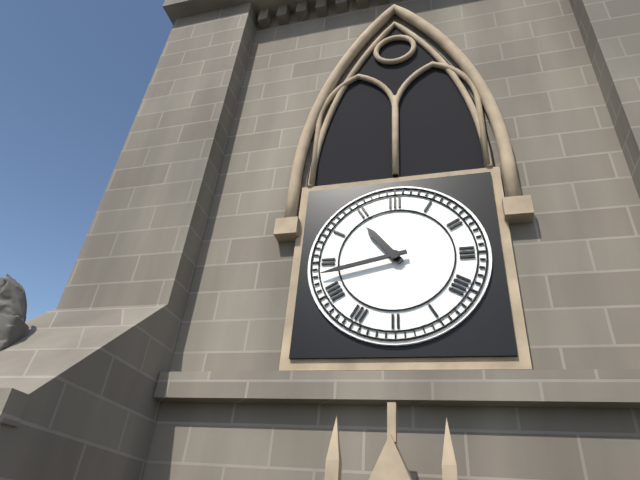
10h43
